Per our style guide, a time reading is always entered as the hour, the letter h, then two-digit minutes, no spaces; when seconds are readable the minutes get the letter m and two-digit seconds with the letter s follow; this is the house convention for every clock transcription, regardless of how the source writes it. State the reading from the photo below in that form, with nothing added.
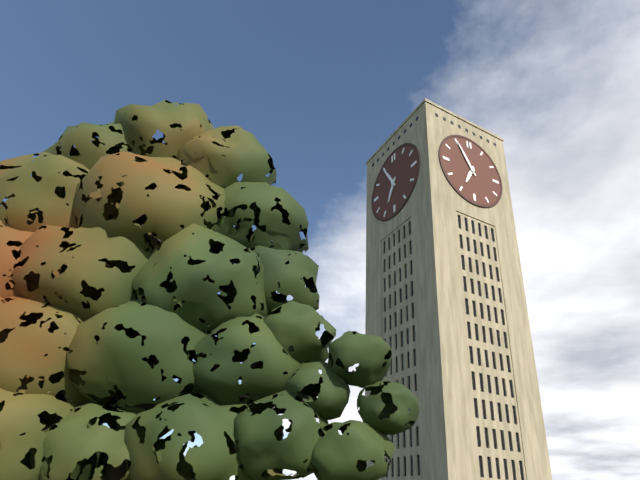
6h55
